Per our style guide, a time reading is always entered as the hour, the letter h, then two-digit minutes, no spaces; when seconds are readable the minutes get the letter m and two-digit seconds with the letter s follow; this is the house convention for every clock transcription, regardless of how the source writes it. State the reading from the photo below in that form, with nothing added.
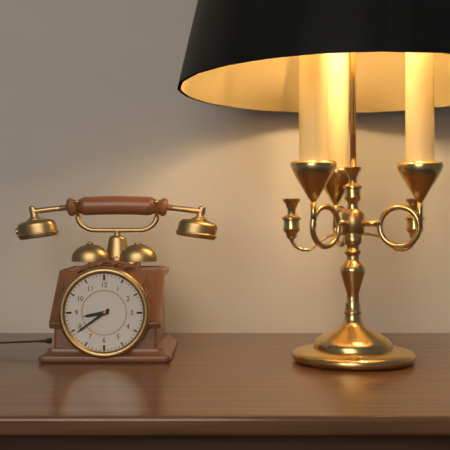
8h39
